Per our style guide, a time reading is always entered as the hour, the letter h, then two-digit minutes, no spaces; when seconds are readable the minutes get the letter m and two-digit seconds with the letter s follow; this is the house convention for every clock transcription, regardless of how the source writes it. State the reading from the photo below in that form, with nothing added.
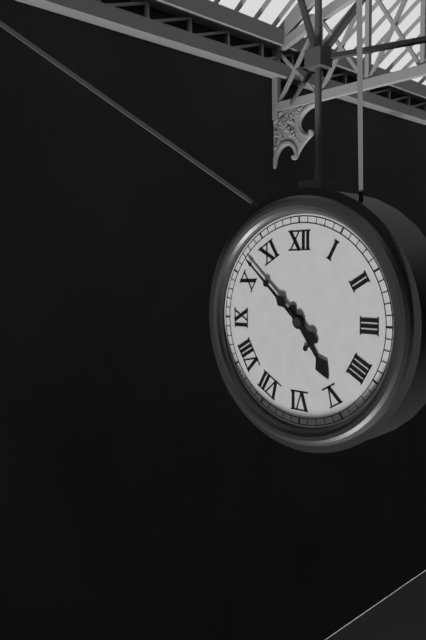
4h52
